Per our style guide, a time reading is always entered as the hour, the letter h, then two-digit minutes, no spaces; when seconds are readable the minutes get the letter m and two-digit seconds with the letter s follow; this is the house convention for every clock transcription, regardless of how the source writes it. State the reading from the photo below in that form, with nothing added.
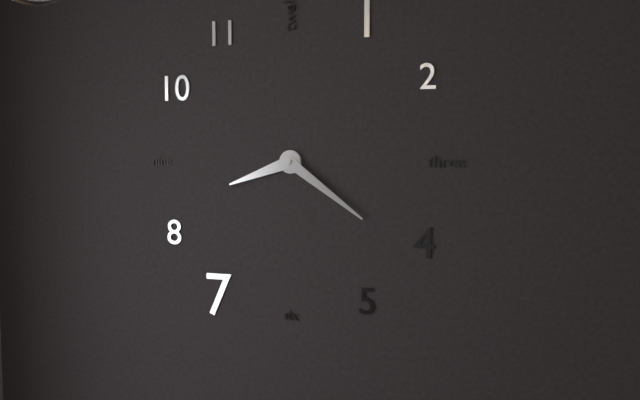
8h21
